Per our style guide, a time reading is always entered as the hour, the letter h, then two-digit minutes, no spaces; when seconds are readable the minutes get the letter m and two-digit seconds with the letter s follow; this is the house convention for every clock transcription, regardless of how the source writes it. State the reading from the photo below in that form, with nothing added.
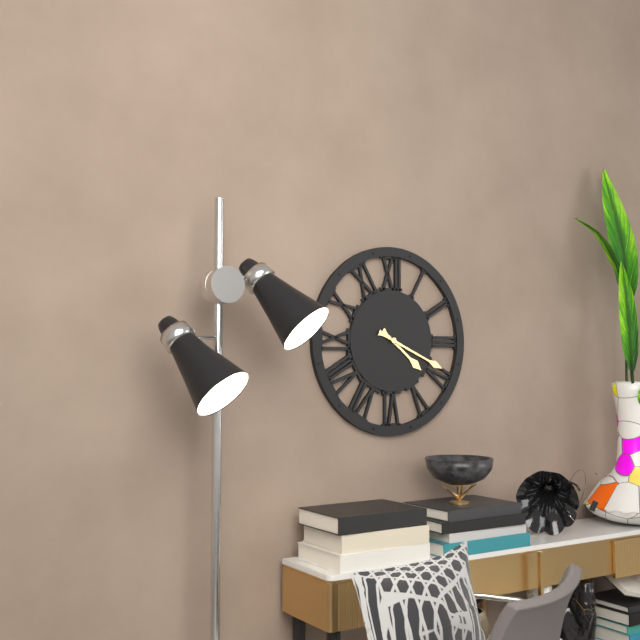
4h19
